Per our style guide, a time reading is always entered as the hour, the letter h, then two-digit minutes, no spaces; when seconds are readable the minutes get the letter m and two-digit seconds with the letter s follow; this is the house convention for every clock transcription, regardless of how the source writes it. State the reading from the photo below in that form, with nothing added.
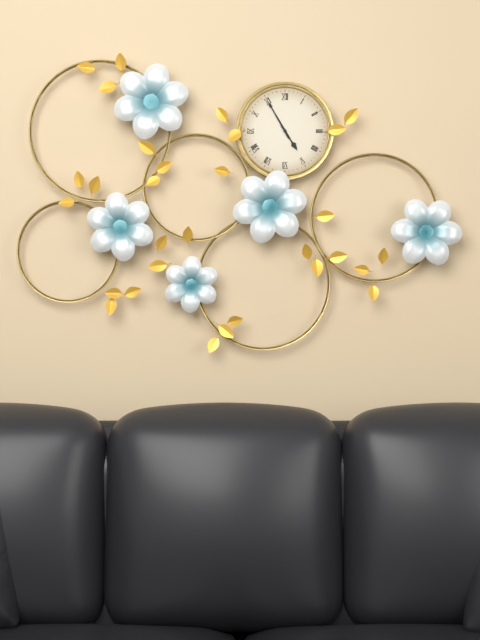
4h55
